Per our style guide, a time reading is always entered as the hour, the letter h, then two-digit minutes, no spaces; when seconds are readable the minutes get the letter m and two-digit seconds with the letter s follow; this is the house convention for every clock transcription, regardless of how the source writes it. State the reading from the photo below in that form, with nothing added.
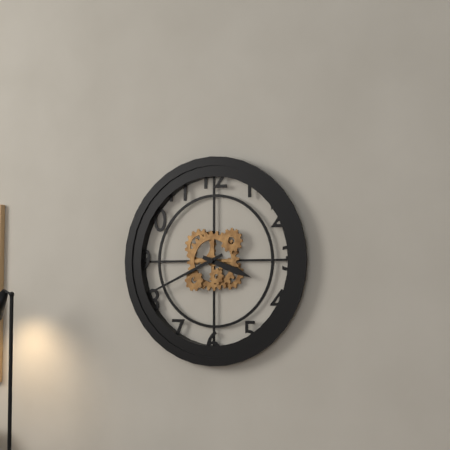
3h41
